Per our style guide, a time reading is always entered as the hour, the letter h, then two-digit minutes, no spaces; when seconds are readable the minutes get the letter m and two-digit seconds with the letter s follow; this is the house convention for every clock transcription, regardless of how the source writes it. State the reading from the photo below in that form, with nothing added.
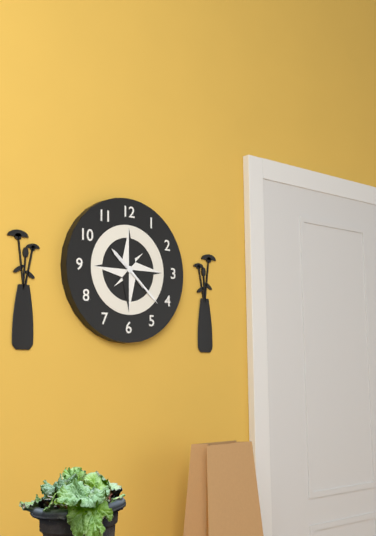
10h22
